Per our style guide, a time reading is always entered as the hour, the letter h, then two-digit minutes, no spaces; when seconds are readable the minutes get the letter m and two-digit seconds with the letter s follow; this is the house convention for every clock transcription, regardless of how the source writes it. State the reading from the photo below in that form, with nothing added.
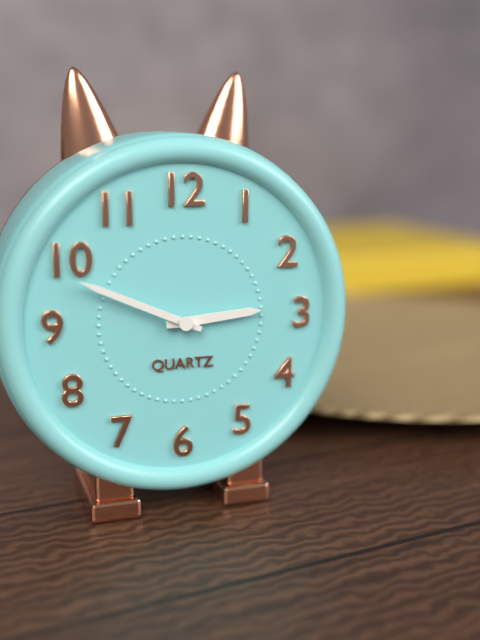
2h49
